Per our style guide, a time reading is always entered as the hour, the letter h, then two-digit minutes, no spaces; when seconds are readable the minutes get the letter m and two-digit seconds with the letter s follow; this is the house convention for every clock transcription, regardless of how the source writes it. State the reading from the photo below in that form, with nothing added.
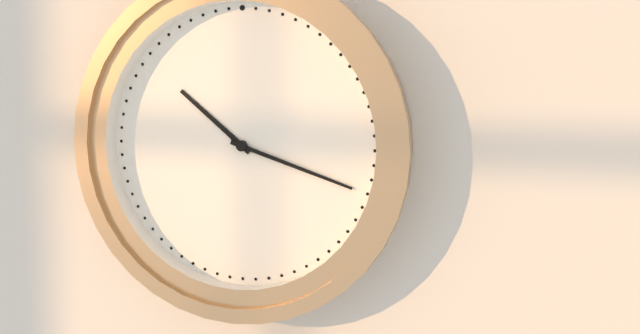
10h18
